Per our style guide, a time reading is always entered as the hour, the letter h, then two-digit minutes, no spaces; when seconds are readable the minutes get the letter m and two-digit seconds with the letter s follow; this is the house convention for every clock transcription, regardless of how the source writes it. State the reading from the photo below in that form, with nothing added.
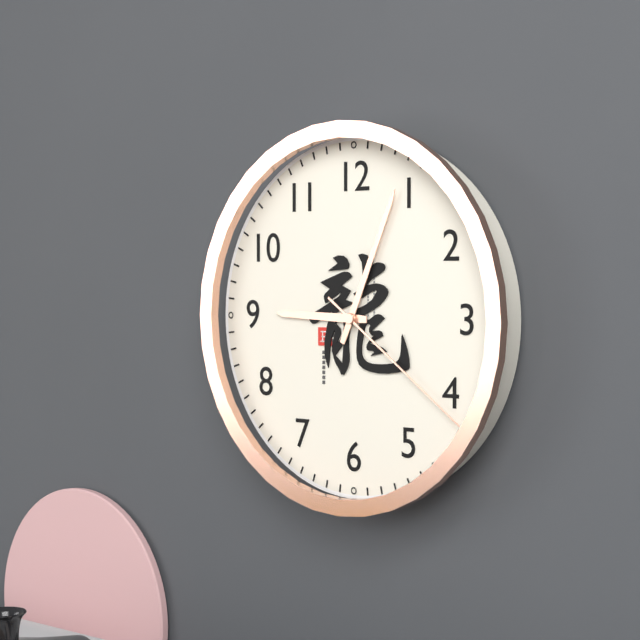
9h04m21s
